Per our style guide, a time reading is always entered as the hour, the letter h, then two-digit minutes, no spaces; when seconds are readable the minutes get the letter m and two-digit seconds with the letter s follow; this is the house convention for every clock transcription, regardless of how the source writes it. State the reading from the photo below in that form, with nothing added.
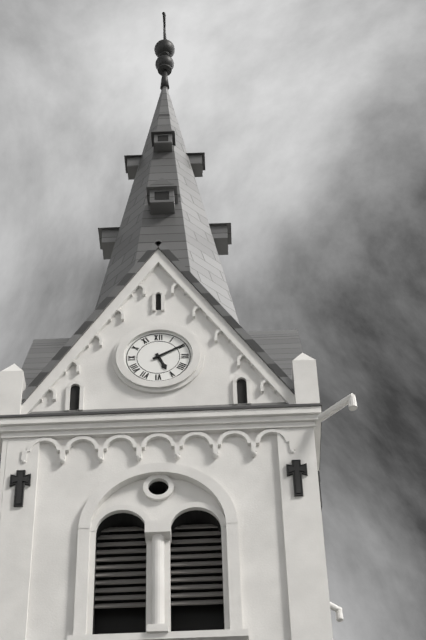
5h10
